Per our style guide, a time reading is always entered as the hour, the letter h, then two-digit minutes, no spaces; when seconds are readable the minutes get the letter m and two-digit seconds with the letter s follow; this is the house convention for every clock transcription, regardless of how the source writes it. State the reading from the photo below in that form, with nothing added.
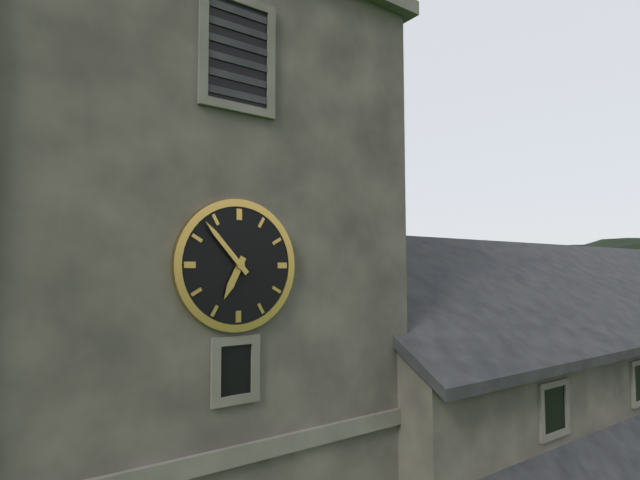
6h53
